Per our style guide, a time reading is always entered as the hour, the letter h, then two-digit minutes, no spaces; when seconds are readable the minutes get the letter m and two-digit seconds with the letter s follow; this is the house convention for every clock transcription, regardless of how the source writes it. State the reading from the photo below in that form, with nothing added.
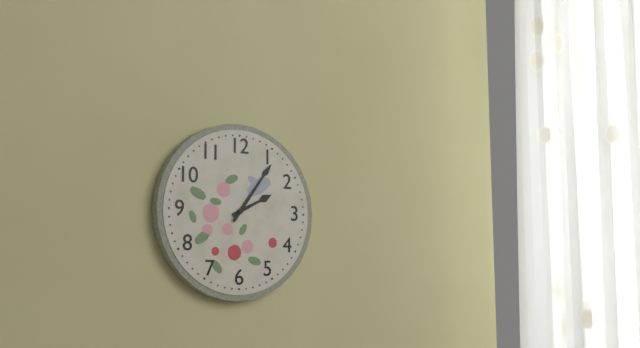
2h06
